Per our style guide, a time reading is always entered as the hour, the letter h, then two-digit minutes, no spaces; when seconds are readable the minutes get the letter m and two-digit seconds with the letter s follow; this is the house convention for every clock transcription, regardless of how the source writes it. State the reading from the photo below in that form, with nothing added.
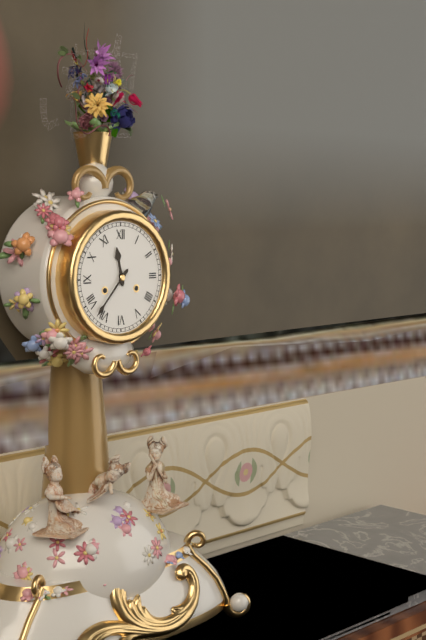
11h37
